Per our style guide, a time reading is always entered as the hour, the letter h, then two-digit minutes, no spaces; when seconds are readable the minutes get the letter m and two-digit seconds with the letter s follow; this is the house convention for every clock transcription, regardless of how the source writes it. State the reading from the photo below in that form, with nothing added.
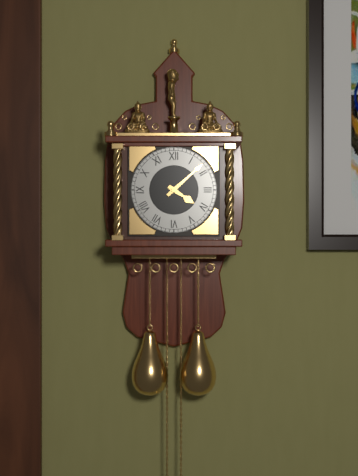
4h08
